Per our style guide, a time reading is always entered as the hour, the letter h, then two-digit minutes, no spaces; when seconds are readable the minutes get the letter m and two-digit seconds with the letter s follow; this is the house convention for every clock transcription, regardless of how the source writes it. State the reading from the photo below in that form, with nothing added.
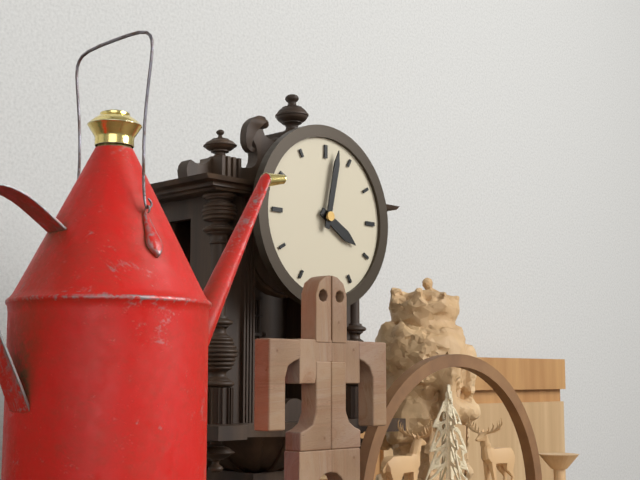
4h02
